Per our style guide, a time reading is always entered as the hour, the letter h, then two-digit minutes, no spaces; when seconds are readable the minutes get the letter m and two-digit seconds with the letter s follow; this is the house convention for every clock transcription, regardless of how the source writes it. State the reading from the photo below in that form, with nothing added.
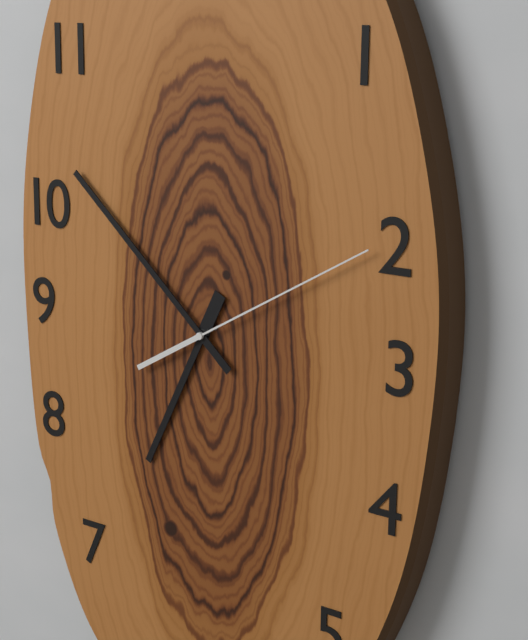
6h52m10s
